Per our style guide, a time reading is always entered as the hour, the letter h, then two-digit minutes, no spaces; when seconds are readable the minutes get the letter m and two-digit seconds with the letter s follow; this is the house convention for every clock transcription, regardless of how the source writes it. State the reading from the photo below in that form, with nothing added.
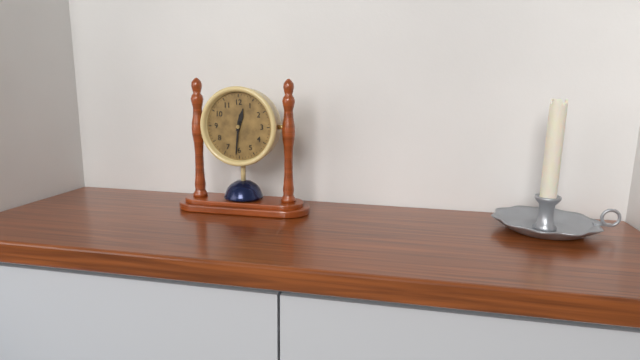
12h31
